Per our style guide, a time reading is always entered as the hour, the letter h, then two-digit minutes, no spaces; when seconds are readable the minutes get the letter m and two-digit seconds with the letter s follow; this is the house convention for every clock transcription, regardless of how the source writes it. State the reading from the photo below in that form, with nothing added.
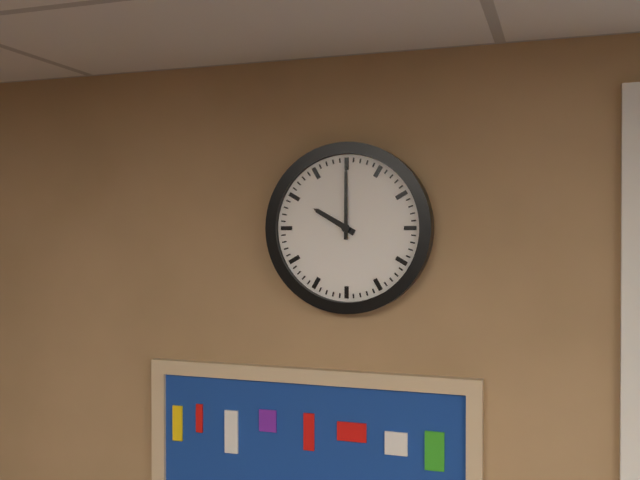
10h00
